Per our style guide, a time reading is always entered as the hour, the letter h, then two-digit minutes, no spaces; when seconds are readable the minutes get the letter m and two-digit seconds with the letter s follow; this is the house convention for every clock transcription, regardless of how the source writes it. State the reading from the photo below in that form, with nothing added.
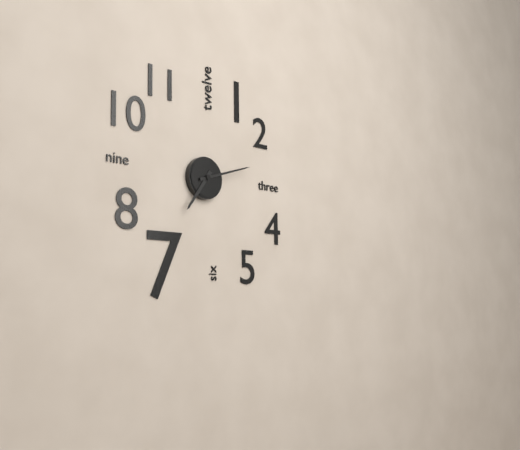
7h12
